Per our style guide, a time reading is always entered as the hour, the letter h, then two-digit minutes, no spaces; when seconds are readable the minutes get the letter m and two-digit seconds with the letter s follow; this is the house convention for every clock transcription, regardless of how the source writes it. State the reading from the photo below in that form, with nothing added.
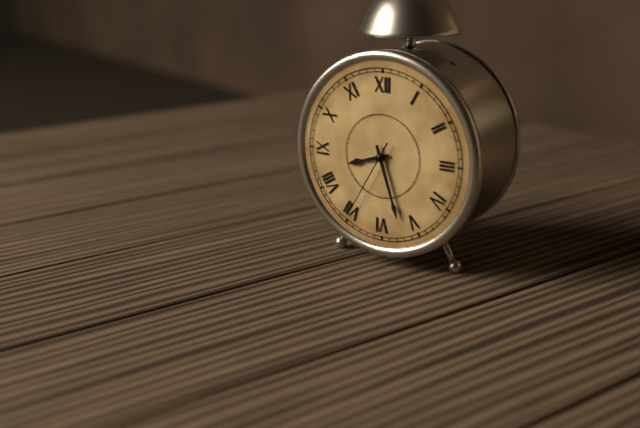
8h27m35s
